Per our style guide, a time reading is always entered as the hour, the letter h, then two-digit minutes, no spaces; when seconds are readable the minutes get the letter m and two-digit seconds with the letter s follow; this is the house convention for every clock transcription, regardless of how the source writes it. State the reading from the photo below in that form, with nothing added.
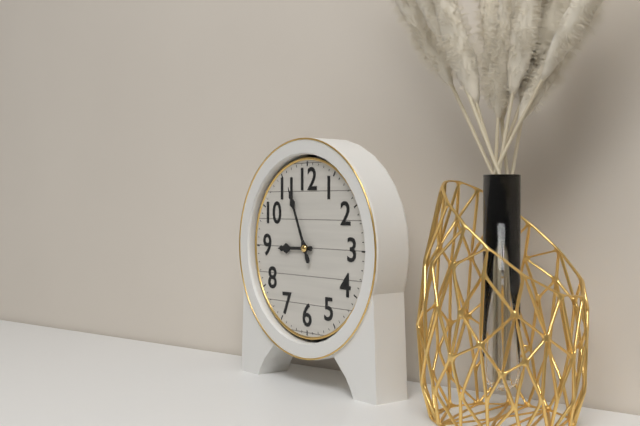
8h56
